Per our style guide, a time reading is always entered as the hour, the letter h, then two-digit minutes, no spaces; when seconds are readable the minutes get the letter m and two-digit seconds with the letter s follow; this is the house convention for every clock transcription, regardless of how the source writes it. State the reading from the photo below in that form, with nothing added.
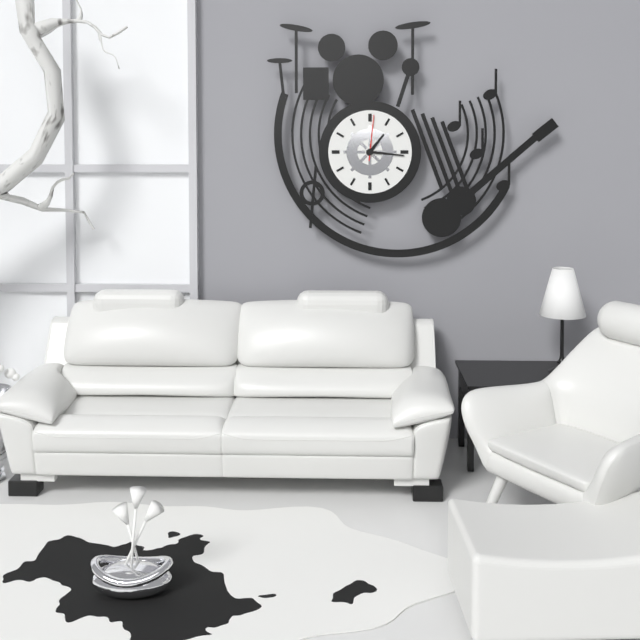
1h16
